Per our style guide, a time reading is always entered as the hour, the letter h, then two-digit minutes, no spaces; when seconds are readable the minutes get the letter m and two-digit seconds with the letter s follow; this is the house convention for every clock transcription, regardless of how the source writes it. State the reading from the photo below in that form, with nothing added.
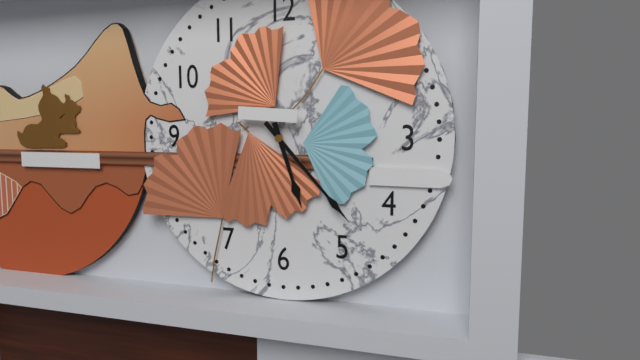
5h23
